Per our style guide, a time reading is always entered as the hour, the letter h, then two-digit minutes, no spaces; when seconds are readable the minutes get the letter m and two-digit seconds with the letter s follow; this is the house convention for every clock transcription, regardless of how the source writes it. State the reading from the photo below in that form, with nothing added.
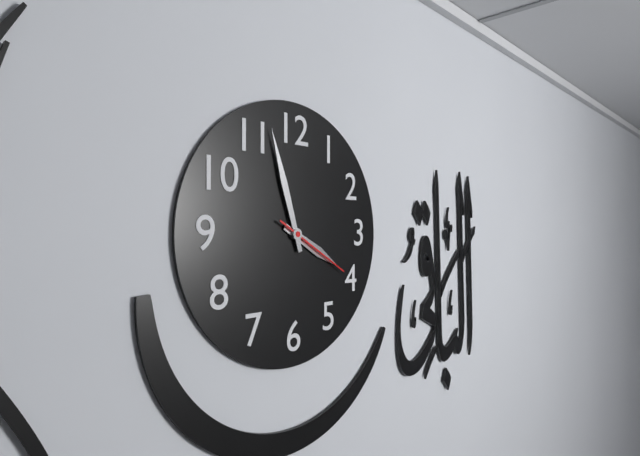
3h57m20s
